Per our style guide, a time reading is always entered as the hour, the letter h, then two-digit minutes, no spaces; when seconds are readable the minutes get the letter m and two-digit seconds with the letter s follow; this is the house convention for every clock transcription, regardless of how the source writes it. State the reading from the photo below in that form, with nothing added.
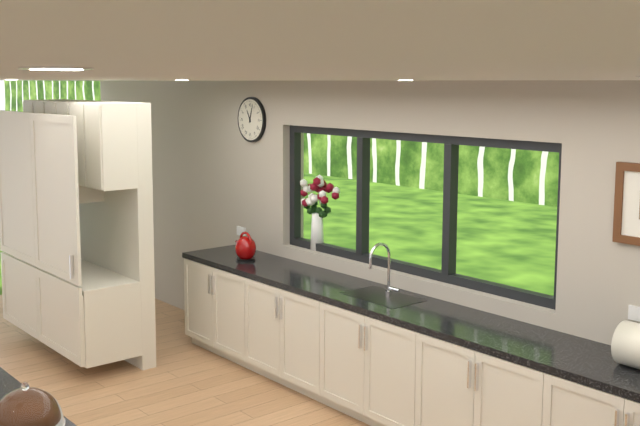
11h03
